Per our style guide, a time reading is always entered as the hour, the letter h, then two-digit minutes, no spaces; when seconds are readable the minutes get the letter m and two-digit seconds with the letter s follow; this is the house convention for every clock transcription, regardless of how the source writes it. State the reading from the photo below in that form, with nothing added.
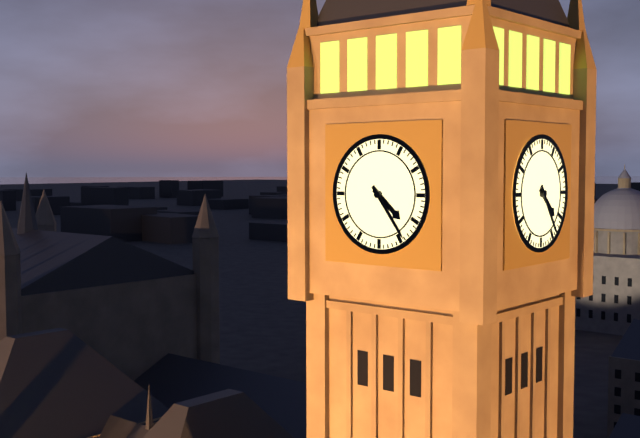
4h24
